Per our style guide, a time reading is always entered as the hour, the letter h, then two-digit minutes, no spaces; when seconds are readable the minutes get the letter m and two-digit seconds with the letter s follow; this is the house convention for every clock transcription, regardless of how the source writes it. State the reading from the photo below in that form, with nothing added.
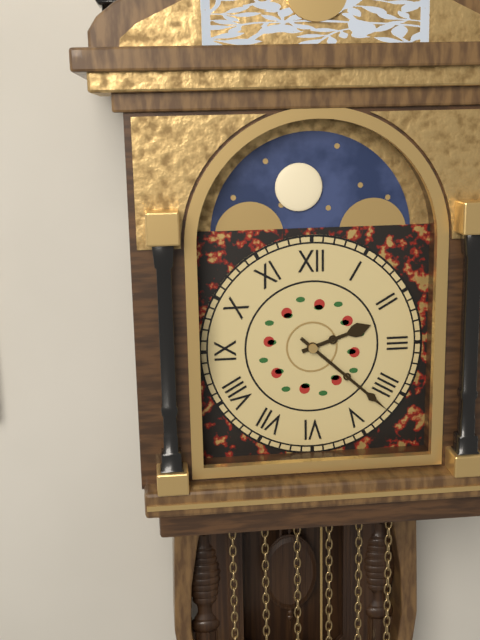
2h22
